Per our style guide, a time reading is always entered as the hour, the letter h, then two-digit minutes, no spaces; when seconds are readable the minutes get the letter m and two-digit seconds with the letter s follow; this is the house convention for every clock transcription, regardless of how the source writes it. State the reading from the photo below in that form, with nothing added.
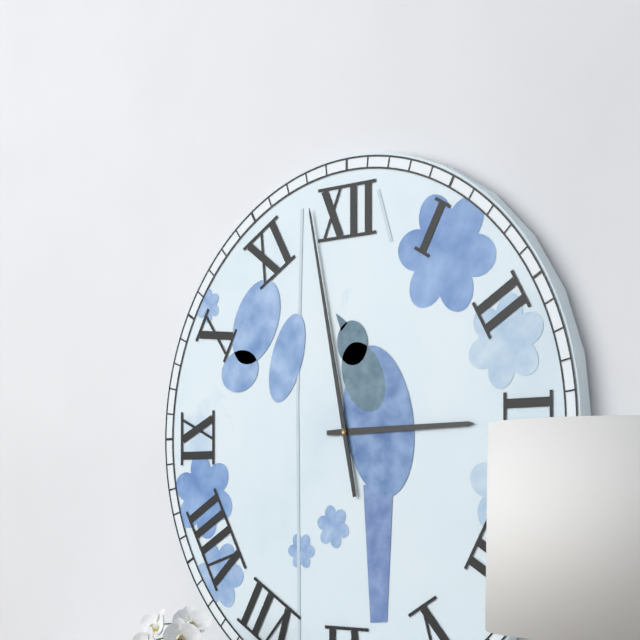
2h58
